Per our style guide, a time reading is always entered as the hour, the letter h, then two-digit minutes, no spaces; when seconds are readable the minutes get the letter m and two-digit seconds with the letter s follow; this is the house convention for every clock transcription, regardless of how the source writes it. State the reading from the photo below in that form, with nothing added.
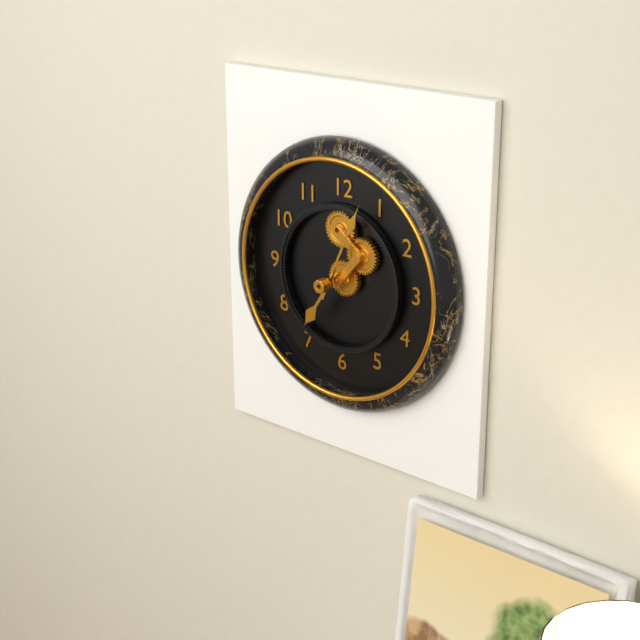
7h04
